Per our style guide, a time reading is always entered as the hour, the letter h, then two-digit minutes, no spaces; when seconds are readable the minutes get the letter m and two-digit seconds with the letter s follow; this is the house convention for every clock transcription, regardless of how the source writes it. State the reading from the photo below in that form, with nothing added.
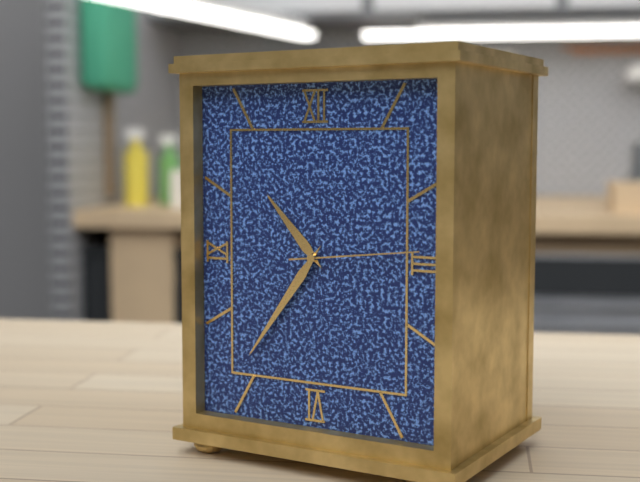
10h36m14s
